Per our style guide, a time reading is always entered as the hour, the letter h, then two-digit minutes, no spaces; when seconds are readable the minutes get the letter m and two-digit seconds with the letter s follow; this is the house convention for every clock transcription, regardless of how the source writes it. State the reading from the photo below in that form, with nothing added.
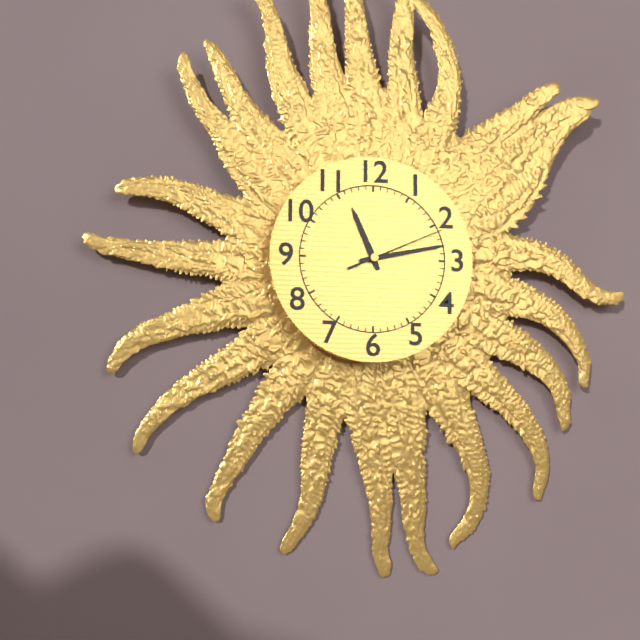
11h13m11s
